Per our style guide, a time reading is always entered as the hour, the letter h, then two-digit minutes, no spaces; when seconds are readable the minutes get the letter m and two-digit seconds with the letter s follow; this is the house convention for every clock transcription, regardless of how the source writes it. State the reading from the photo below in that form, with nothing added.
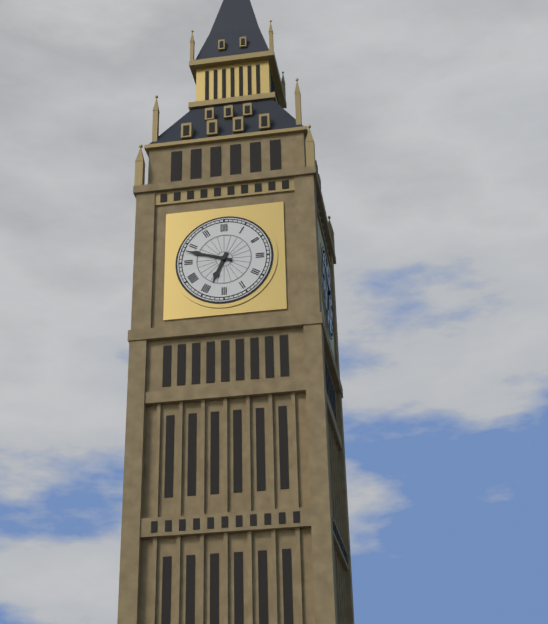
6h48
